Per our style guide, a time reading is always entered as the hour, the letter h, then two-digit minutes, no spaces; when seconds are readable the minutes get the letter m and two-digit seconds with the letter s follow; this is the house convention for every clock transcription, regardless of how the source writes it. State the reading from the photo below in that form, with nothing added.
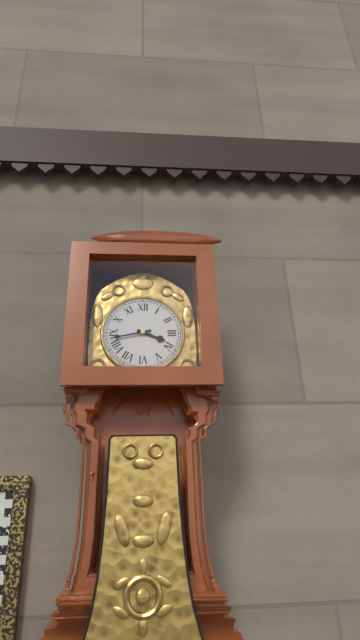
3h43
